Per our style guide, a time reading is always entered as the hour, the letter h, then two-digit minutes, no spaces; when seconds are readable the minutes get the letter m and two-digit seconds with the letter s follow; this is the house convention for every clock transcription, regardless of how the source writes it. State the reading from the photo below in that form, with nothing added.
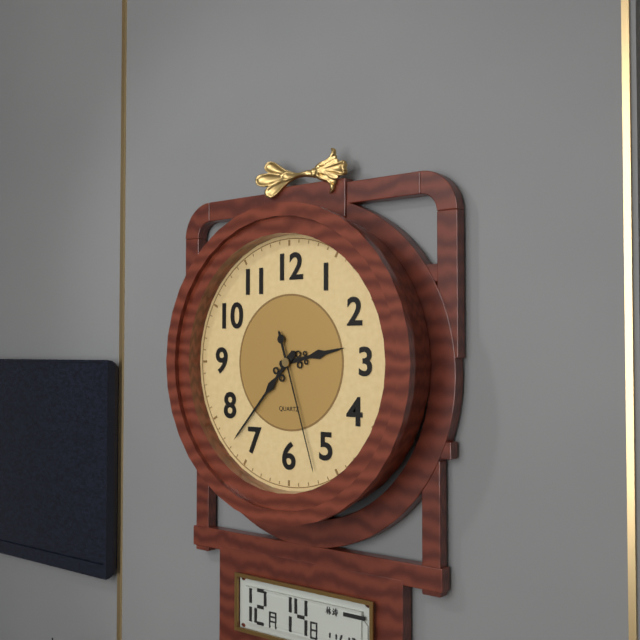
2h37m27s
